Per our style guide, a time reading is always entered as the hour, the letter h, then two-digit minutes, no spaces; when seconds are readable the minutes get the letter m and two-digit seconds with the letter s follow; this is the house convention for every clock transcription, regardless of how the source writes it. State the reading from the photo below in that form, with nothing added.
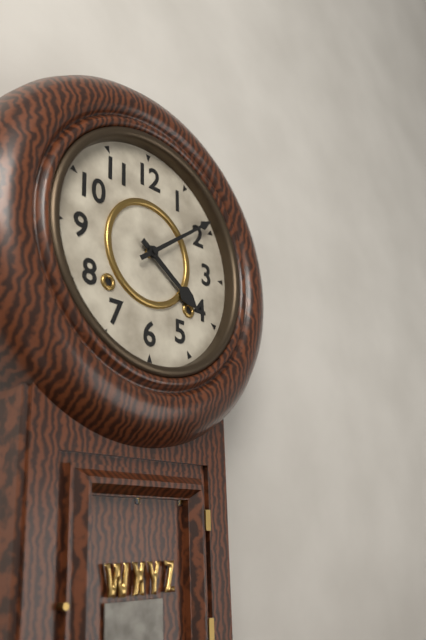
4h09
